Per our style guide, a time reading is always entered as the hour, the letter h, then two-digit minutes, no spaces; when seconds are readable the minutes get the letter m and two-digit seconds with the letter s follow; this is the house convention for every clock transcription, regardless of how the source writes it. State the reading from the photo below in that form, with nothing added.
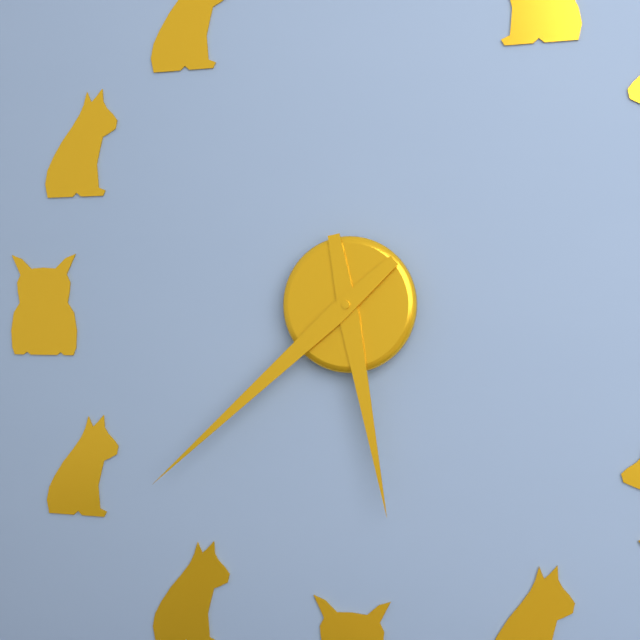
5h38
